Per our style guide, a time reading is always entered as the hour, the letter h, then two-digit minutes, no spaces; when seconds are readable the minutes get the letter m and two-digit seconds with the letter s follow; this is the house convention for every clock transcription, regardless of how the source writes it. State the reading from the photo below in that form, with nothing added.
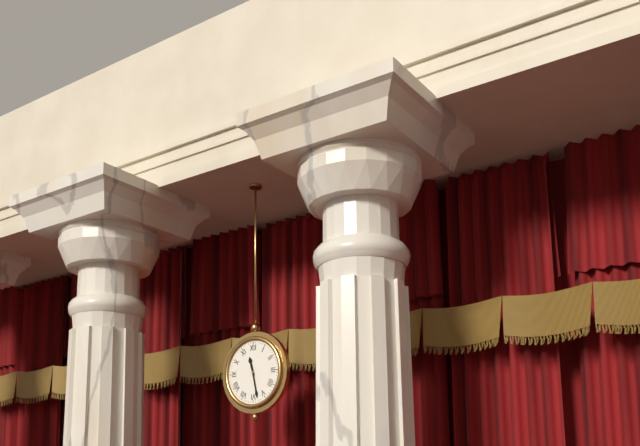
11h28
